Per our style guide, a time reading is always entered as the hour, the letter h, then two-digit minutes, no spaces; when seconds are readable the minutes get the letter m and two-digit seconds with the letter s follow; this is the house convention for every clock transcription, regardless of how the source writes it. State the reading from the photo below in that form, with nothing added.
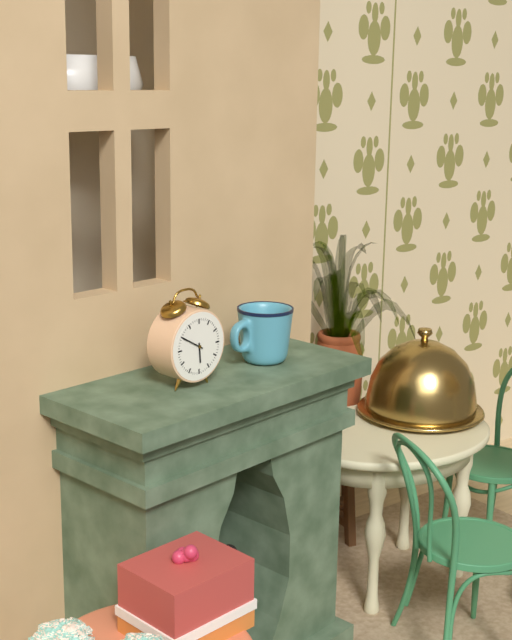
5h50
